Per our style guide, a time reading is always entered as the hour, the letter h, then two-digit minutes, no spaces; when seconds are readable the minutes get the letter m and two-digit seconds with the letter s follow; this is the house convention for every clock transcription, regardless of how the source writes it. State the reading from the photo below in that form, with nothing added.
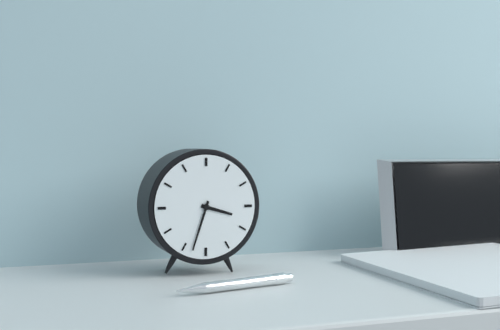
3h33
